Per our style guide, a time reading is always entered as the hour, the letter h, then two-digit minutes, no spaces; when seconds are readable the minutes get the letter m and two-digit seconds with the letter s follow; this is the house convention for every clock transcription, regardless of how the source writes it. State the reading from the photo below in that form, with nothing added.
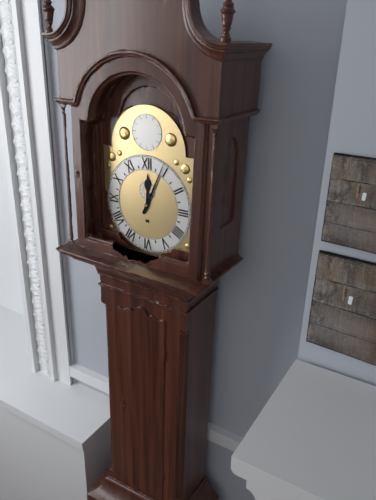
12h04
